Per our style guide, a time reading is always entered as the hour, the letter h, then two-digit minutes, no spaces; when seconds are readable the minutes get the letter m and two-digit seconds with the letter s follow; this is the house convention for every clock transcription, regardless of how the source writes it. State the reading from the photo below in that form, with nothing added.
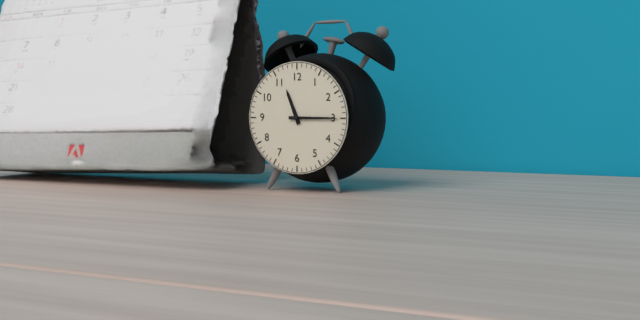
11h15
